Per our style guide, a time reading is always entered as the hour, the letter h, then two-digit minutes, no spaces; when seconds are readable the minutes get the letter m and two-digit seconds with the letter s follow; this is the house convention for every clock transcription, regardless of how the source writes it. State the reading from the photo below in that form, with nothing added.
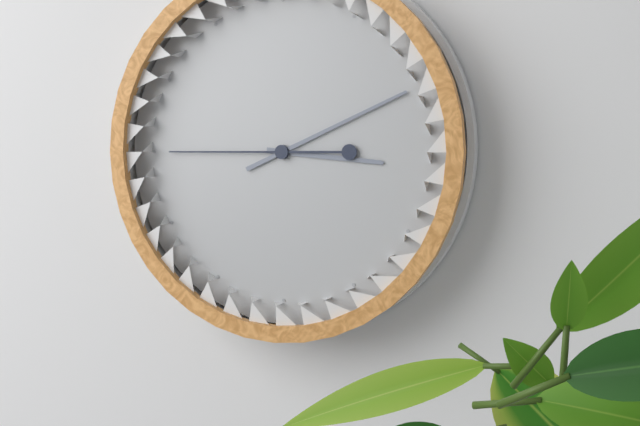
3h11m45s
